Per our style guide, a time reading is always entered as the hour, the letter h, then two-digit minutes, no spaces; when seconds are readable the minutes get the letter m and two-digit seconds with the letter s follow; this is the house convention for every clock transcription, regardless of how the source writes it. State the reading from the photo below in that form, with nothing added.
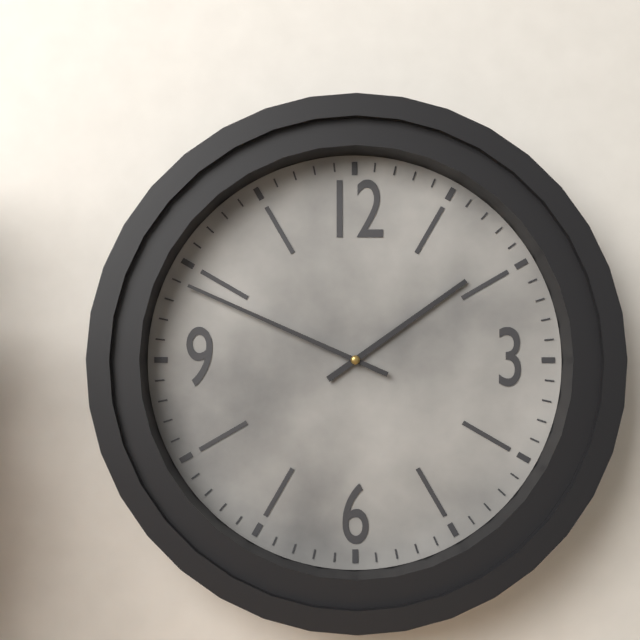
1h49
